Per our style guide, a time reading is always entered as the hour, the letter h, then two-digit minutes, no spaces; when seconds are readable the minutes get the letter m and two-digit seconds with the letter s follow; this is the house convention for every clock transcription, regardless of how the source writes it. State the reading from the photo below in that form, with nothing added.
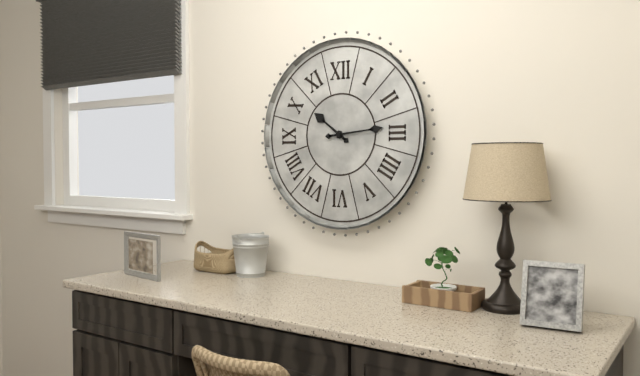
10h14
